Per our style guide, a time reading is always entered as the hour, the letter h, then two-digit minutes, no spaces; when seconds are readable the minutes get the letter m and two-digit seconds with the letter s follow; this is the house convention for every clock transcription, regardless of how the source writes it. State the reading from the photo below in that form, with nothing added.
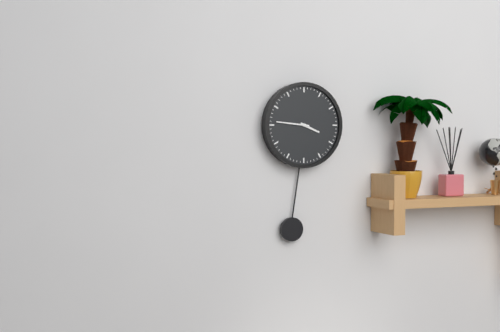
3h46
